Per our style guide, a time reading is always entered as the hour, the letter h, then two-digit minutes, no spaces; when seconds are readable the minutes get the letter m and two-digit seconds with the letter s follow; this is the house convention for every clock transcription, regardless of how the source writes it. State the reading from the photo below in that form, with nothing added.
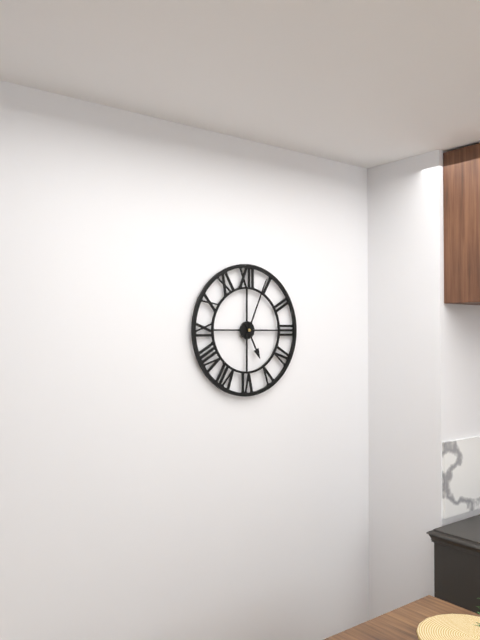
5h04
